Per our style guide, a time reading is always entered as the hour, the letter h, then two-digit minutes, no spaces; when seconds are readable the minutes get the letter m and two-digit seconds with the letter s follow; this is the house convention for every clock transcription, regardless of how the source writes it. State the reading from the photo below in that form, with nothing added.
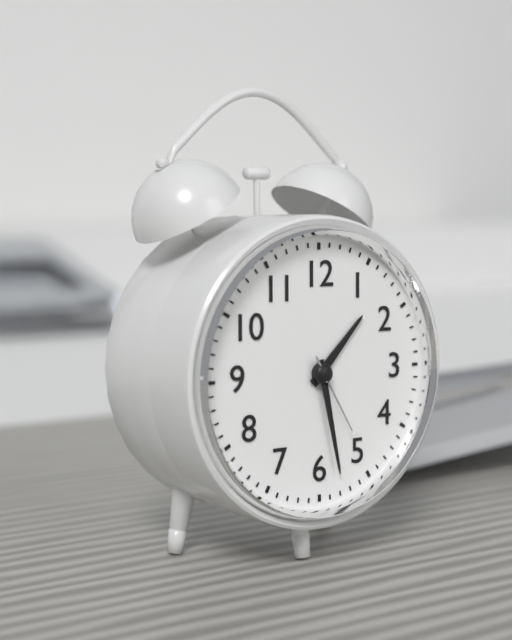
1h28m25s
